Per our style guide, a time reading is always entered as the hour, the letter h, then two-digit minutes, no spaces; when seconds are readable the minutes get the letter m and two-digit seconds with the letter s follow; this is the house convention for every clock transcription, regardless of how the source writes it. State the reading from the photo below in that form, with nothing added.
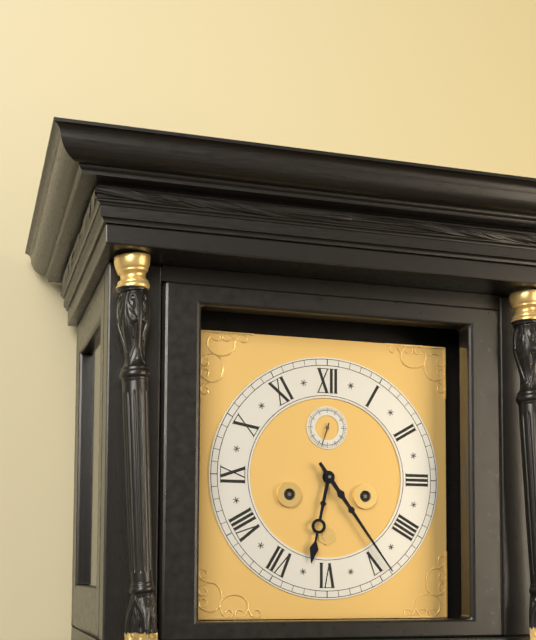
6h24
